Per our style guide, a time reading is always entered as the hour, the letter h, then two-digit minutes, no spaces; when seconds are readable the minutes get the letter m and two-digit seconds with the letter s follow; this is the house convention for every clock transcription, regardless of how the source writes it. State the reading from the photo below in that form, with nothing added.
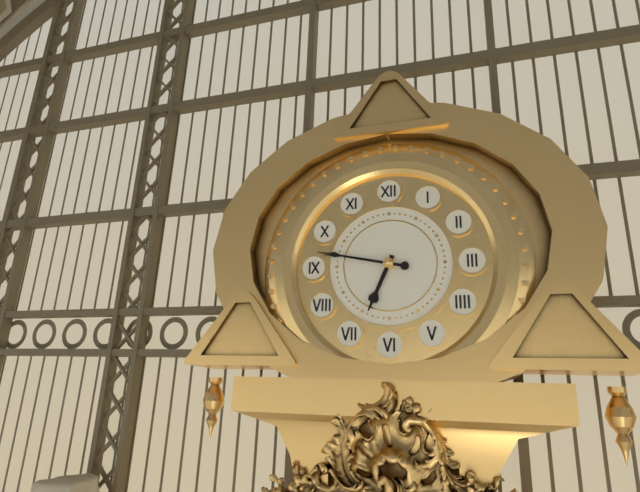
6h47
